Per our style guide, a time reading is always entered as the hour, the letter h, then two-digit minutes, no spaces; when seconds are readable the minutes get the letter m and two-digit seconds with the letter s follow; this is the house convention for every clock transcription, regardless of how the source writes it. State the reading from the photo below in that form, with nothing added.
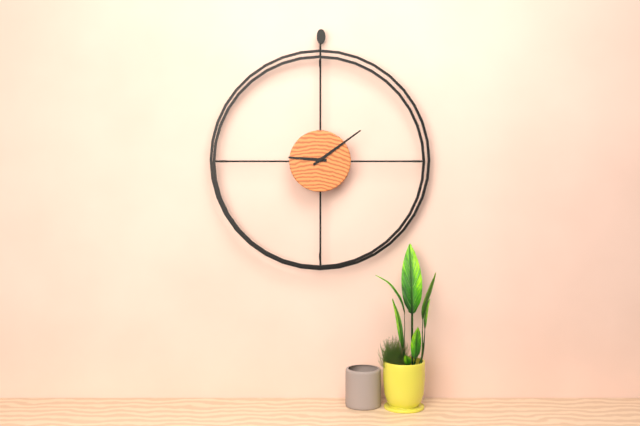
9h09
